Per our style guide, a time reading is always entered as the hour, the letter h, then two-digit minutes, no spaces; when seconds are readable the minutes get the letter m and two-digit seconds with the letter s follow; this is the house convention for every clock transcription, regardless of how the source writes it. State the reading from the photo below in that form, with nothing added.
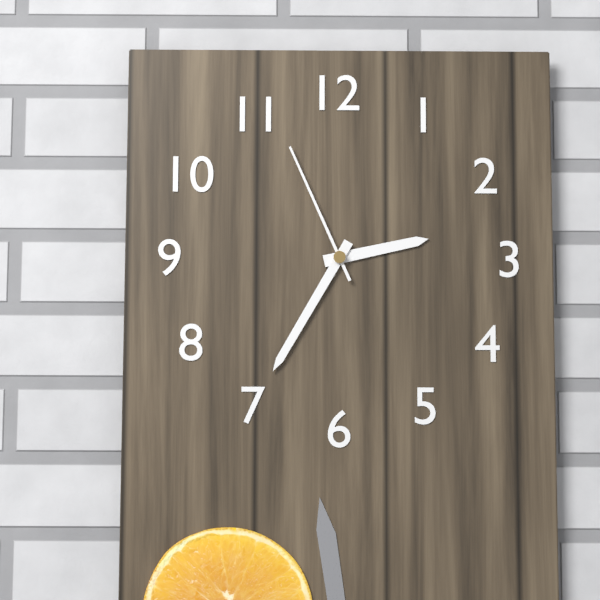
2h35m56s
